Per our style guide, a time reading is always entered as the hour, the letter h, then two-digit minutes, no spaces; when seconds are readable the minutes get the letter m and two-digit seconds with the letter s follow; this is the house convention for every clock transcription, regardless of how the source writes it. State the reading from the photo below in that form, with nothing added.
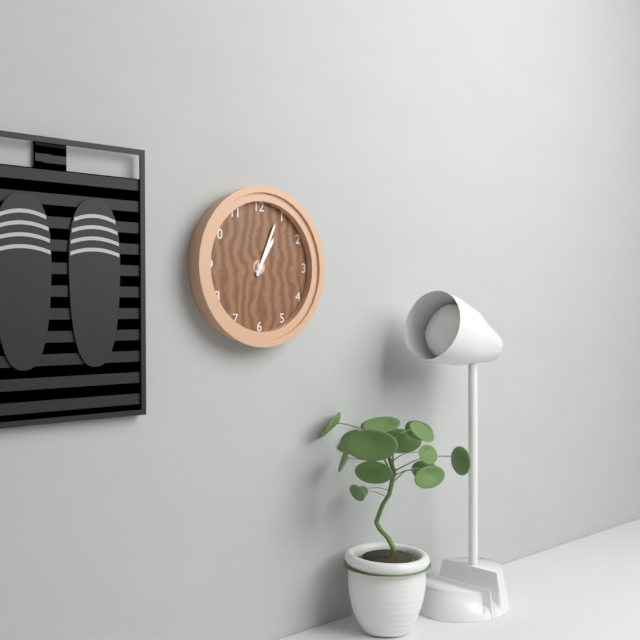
1h04
